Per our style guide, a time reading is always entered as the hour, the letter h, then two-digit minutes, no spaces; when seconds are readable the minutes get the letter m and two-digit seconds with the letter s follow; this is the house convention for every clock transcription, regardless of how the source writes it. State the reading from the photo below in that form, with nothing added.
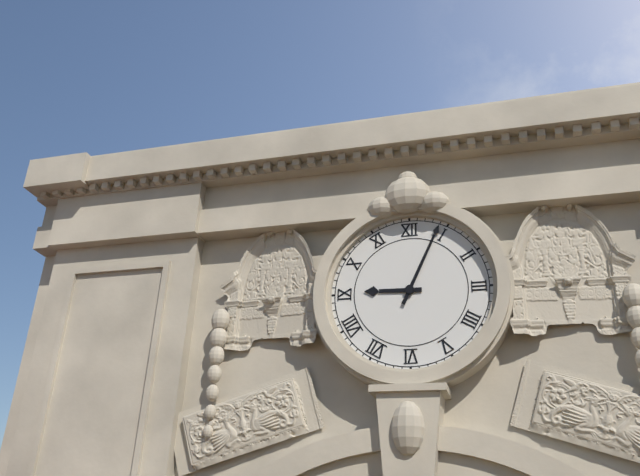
9h04
